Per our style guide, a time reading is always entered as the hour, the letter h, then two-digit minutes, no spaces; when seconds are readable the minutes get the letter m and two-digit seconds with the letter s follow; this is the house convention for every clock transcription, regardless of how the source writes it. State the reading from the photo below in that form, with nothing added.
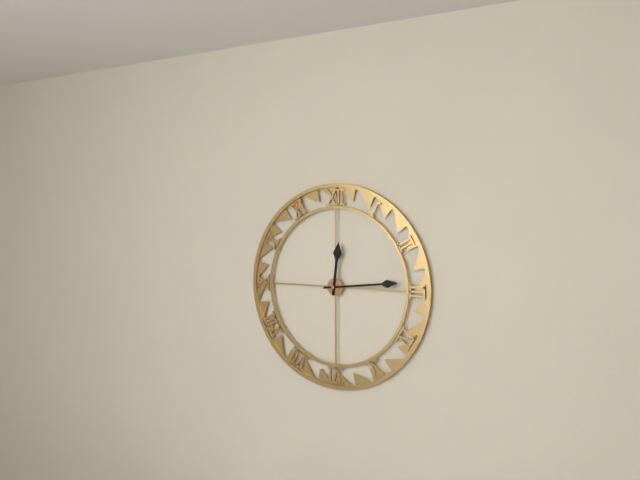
12h14
